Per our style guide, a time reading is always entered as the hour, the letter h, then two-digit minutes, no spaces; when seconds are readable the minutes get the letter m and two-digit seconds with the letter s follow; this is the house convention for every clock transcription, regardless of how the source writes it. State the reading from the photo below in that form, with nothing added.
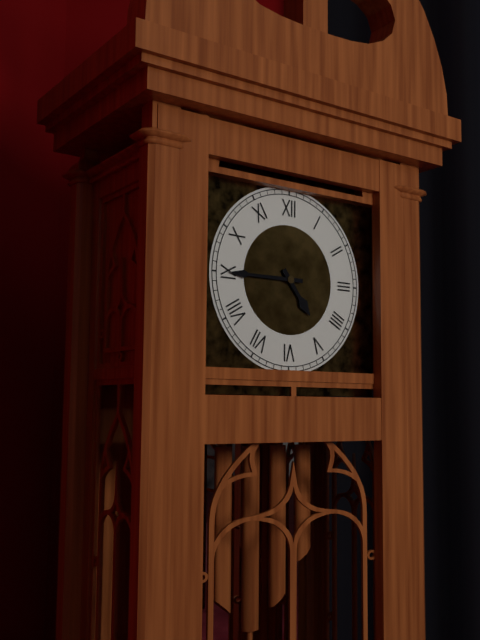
4h45
